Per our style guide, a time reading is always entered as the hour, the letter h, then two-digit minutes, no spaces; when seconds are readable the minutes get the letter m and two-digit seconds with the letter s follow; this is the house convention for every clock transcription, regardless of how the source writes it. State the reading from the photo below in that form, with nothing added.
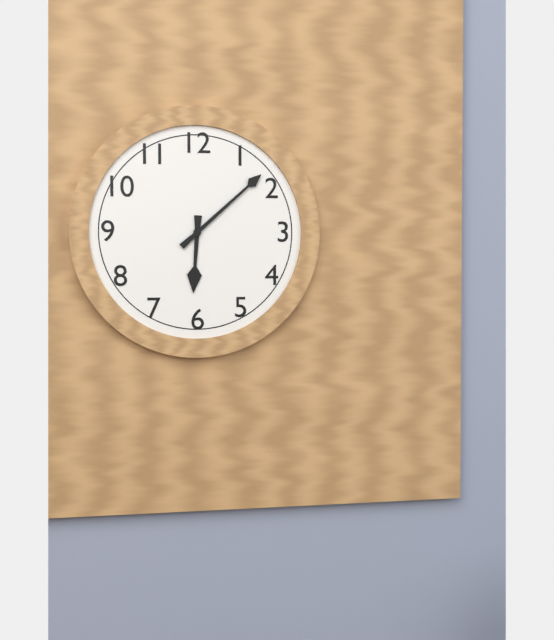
6h08
